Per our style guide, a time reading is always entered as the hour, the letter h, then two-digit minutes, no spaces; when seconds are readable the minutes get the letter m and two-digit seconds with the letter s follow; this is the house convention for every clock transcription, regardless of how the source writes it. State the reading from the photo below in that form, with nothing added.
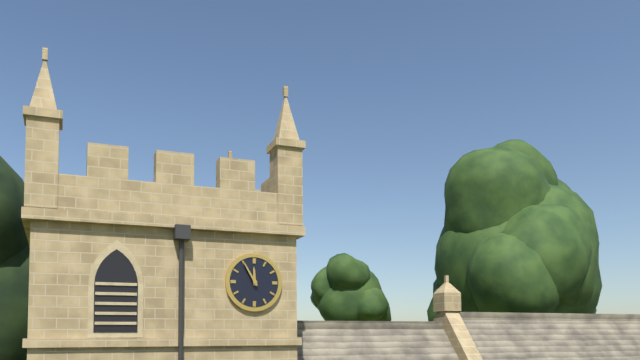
11h55
